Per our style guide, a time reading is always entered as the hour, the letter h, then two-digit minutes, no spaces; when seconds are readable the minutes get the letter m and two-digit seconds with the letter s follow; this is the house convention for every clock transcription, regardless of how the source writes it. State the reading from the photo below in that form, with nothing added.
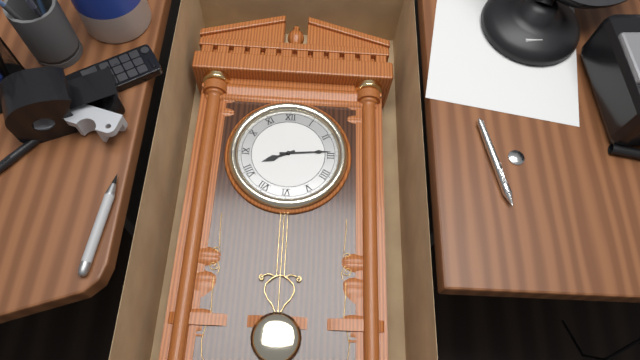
8h14
